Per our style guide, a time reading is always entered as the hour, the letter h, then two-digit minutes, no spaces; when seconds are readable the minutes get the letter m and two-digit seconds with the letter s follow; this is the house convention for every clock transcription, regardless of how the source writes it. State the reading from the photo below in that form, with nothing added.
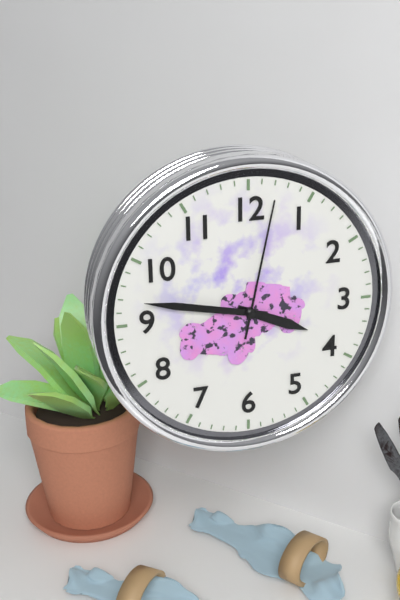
3h47m02s
